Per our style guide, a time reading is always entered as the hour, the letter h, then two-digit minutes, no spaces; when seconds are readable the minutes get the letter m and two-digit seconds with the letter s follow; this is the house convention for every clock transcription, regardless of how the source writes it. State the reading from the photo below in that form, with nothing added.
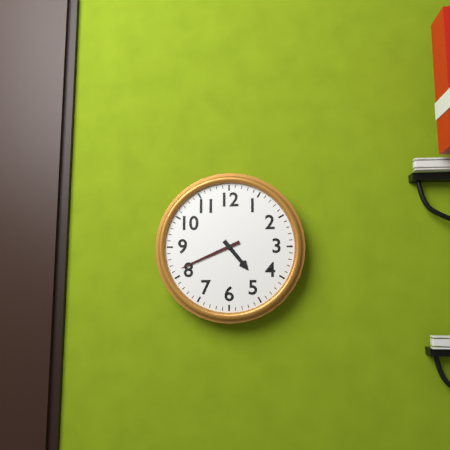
4h41
